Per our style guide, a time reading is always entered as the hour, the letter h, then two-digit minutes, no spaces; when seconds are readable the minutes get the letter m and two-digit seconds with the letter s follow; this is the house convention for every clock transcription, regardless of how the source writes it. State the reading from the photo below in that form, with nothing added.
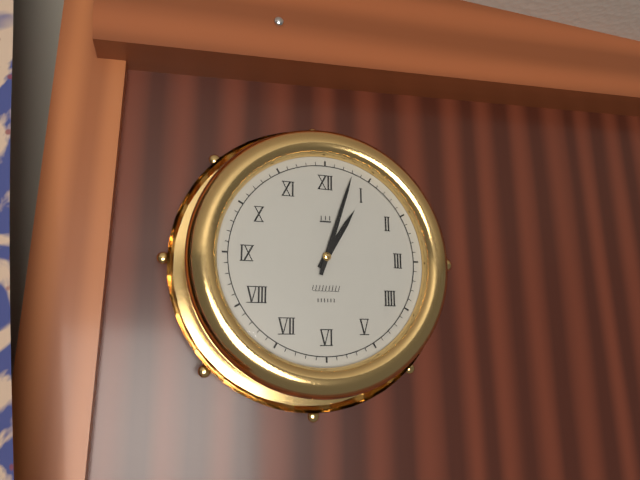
1h03
